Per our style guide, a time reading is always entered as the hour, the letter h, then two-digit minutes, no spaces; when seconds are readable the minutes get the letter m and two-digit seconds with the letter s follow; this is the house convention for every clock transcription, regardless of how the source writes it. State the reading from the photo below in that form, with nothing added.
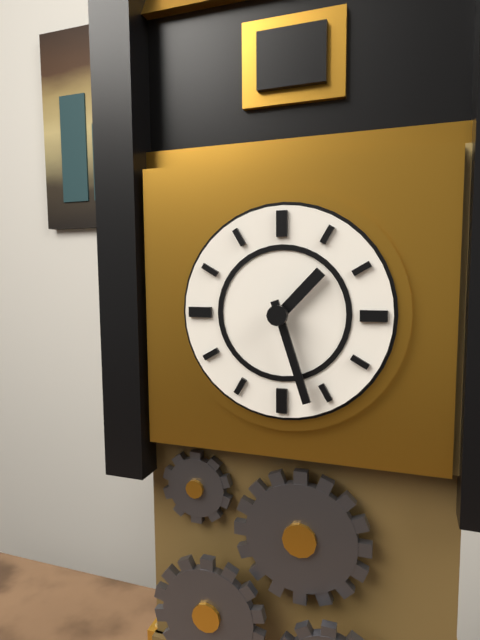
1h27
